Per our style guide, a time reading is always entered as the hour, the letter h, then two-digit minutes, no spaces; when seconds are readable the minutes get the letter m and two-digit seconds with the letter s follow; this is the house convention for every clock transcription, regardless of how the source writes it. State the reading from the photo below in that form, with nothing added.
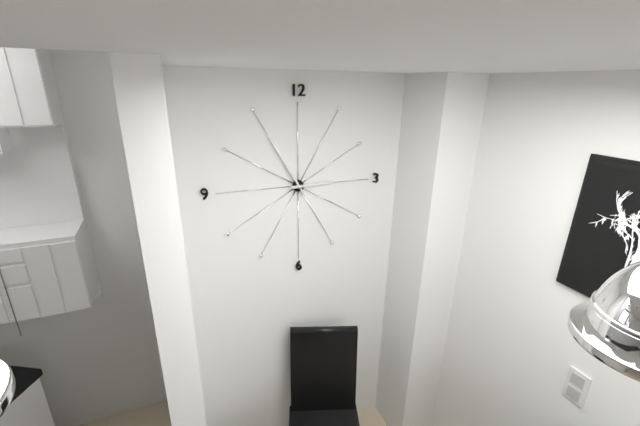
2h55
